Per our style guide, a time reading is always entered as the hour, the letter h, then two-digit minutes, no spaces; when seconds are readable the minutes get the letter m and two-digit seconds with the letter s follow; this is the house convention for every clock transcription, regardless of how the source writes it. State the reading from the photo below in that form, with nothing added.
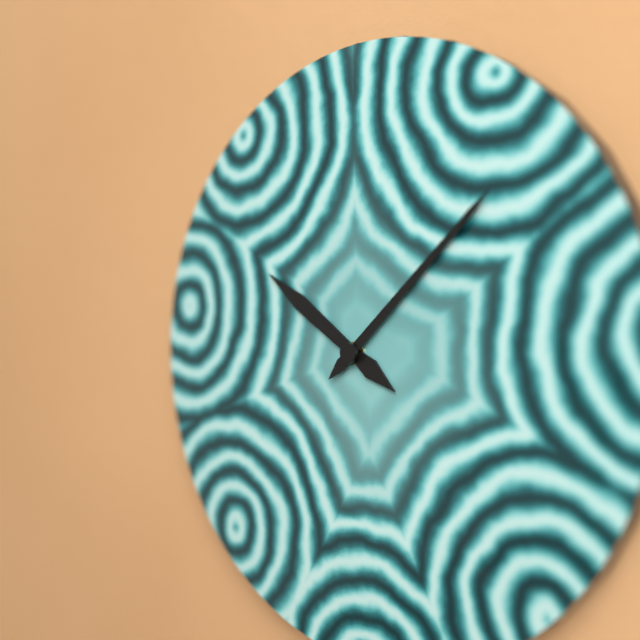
10h08
